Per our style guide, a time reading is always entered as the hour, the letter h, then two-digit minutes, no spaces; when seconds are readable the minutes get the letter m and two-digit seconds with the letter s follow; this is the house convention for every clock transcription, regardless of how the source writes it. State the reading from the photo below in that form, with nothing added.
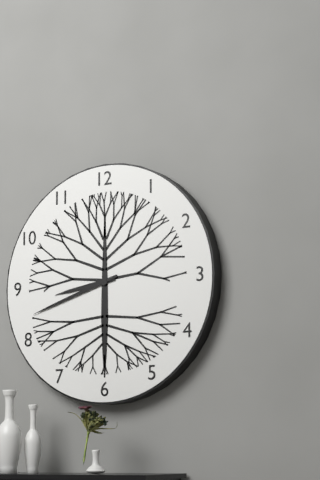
8h42
